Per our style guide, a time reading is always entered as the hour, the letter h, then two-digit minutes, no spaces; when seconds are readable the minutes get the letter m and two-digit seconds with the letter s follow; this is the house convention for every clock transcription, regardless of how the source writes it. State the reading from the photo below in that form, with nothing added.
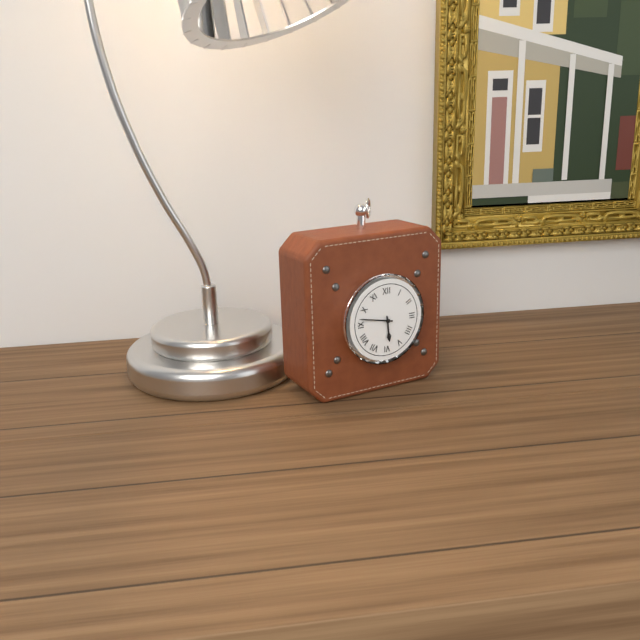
5h47
